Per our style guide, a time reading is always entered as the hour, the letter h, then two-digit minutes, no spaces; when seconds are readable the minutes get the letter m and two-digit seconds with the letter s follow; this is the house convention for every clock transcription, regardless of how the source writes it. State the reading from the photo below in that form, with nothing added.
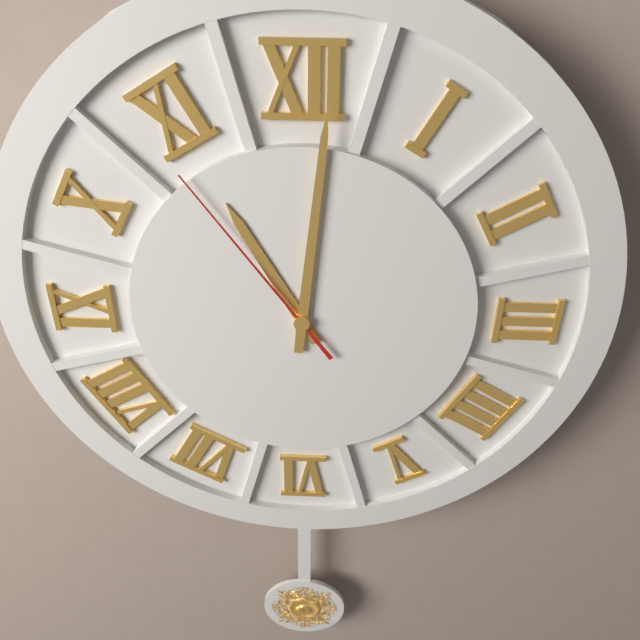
11h01m54s
